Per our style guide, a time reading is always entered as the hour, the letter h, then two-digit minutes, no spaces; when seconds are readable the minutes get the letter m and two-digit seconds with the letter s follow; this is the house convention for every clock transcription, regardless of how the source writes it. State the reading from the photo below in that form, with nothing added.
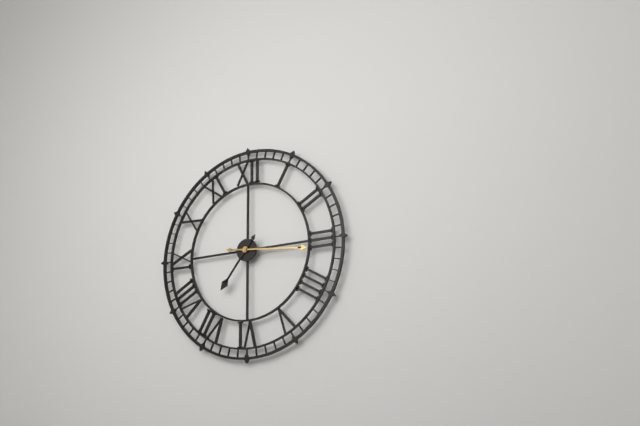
7h16
